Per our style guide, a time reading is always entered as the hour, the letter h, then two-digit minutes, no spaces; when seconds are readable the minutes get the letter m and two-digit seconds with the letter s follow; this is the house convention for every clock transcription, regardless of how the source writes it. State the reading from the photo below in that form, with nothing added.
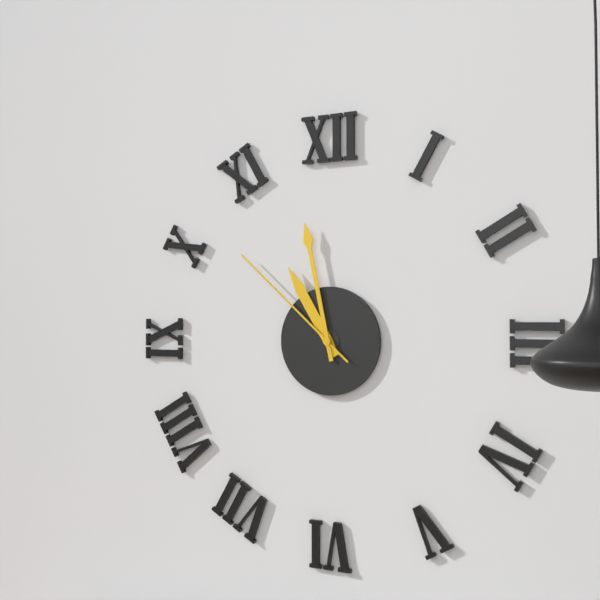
10h58m52s
